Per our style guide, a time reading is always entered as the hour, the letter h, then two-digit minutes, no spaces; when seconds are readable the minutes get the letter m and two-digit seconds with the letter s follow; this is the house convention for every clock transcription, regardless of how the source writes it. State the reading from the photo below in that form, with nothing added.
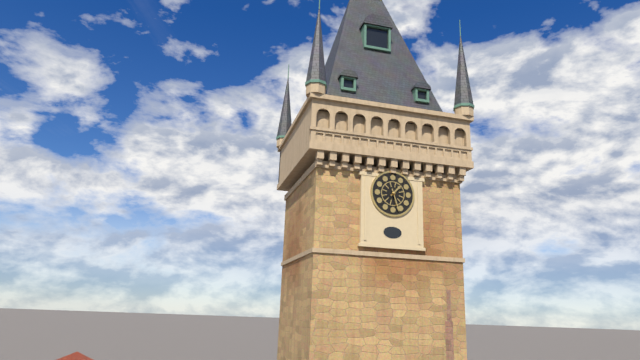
1h27
